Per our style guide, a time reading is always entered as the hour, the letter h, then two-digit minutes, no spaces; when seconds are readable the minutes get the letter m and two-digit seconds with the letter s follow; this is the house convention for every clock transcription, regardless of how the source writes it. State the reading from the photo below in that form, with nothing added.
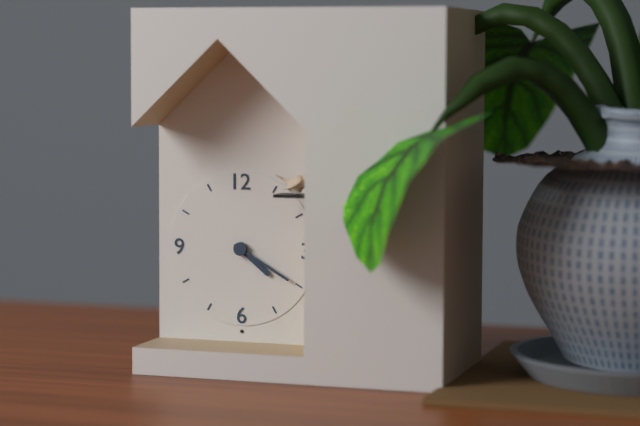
4h20
